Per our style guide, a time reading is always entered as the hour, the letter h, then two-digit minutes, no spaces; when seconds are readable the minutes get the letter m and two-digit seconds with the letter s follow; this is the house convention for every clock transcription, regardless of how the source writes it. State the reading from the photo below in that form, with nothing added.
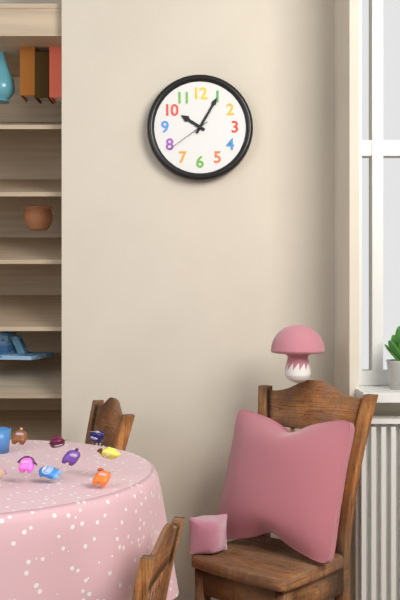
10h05
